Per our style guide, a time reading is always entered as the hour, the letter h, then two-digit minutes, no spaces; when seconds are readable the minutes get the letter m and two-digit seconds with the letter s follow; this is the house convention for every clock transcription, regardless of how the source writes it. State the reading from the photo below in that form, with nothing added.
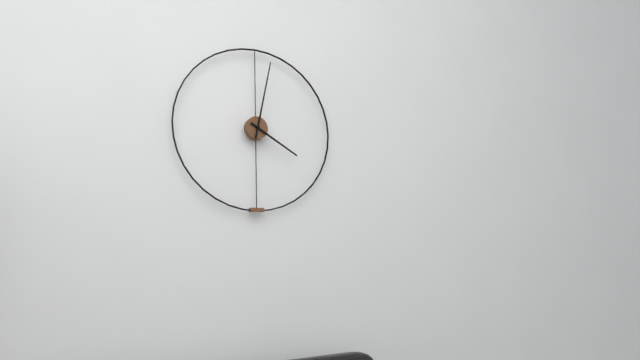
4h02
